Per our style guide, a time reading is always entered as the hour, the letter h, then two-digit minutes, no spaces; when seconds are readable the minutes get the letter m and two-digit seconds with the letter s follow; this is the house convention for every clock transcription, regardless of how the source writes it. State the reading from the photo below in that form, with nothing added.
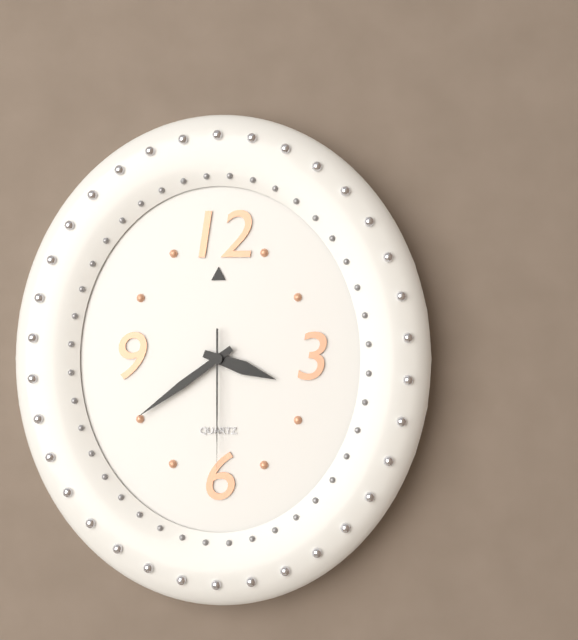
3h39m30s
